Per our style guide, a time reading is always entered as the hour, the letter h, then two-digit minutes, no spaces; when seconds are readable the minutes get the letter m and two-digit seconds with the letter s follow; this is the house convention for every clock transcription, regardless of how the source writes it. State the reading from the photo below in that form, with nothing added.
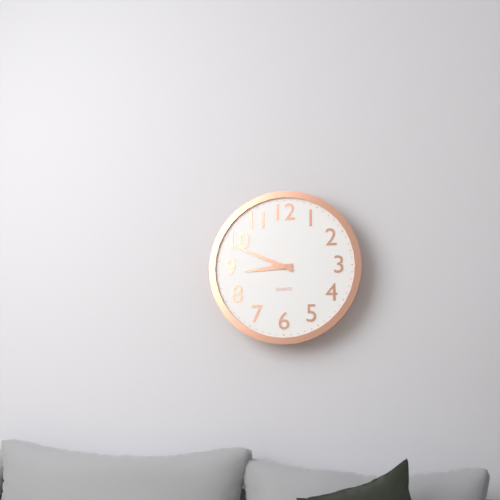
8h49
